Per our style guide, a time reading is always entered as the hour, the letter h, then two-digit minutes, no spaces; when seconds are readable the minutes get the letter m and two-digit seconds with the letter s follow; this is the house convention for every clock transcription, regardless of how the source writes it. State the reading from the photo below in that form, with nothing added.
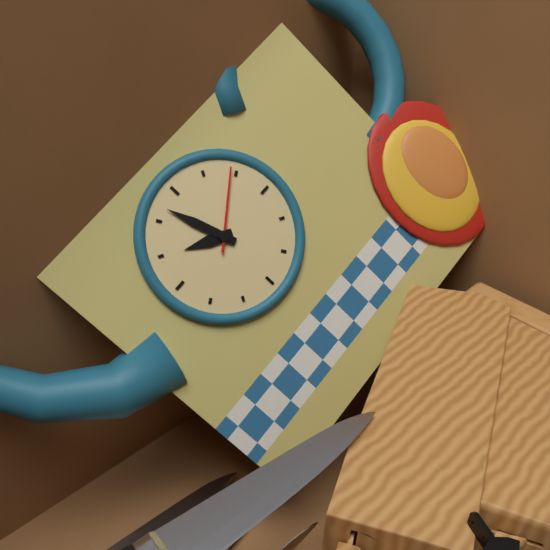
9h57m09s
